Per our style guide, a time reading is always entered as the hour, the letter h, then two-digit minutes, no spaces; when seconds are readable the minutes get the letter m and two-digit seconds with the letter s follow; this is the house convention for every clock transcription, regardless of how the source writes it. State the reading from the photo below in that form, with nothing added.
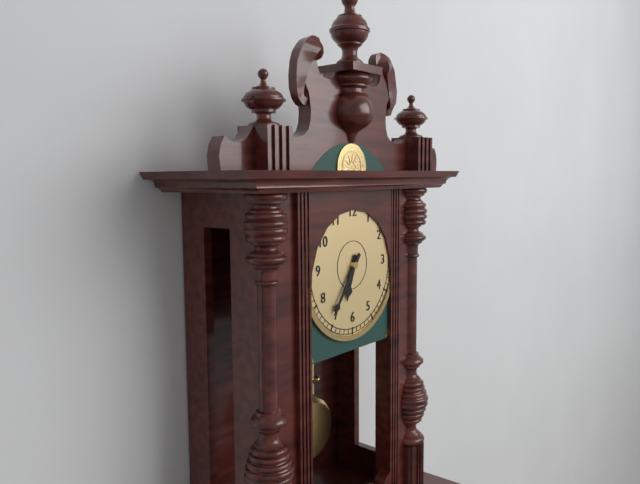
6h36
